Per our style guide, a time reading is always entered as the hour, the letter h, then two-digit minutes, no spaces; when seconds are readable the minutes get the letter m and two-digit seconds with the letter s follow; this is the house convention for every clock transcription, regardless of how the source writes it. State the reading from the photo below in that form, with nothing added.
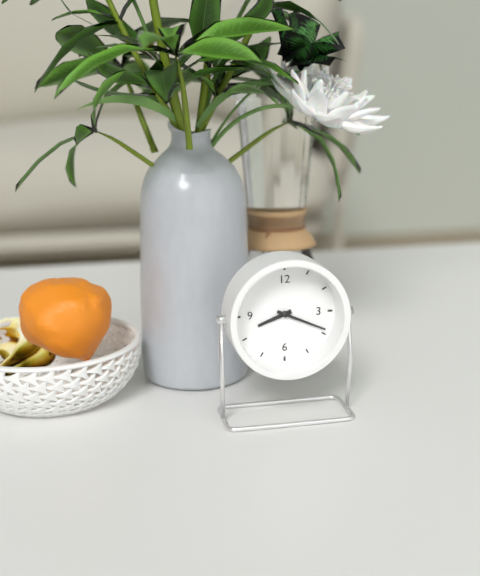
8h19
